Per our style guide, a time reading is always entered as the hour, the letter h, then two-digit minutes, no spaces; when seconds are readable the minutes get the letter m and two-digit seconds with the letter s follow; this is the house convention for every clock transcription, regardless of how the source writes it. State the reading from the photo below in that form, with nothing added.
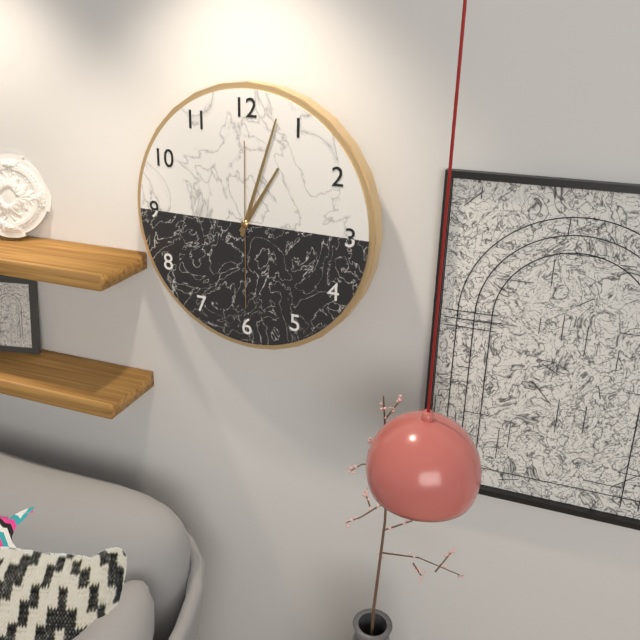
1h03m30s
